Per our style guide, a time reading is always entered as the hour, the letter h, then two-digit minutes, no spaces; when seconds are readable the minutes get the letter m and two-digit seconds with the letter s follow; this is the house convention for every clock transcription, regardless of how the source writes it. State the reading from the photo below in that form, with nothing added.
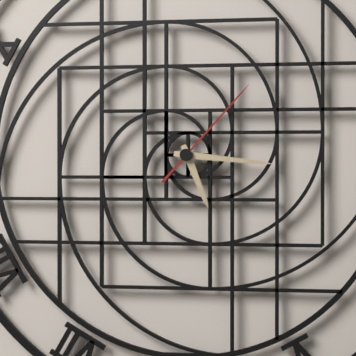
5h16m07s
